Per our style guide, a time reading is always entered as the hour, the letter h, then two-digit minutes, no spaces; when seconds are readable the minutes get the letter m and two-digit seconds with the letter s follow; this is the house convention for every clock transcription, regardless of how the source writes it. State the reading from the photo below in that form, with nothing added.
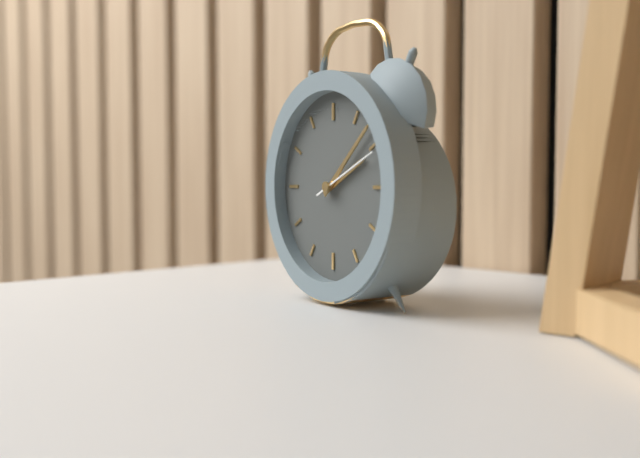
2h08m11s
